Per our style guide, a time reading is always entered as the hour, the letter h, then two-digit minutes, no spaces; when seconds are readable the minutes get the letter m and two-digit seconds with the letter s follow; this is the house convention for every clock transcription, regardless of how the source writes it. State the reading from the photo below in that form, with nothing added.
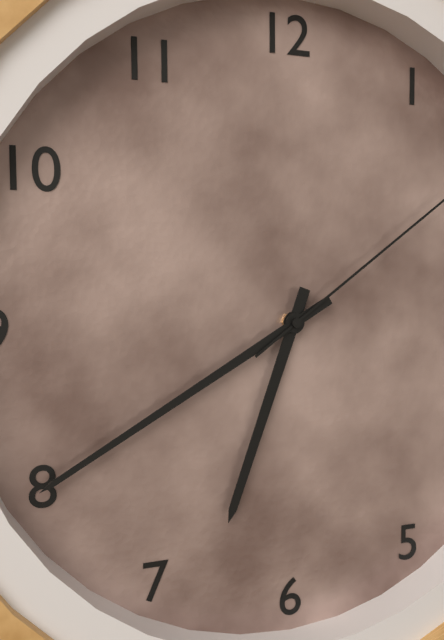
6h40
